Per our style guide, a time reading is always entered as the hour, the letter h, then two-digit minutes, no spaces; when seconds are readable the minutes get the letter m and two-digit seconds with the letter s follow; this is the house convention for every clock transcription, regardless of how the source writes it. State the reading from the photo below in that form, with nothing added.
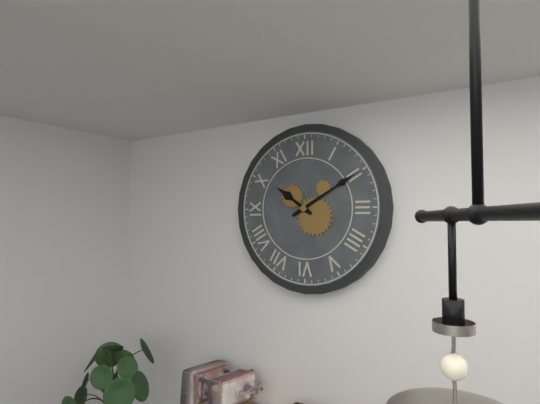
10h10
